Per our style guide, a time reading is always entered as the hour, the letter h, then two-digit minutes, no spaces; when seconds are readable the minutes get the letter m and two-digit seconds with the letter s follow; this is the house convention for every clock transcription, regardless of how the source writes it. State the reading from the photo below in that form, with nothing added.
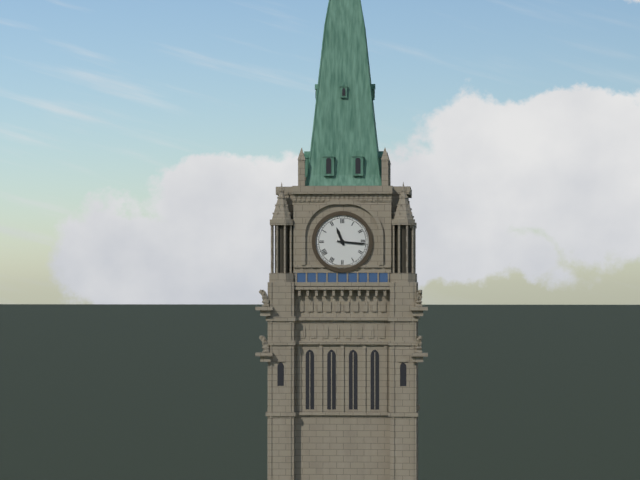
11h16
